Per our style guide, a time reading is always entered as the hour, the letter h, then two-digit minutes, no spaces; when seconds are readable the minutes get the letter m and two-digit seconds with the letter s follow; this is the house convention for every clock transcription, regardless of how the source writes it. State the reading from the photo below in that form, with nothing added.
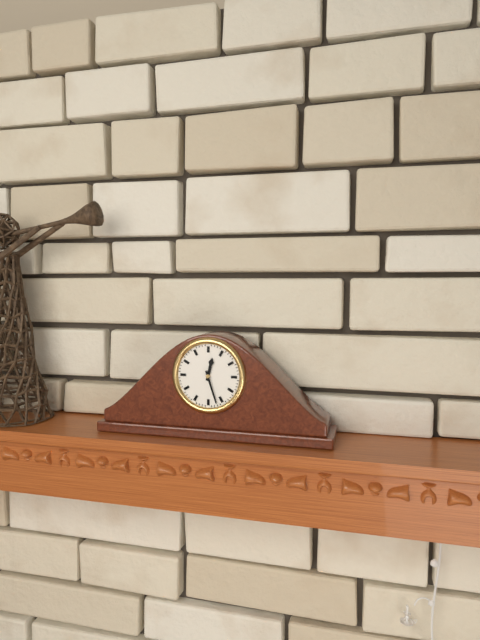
12h27
